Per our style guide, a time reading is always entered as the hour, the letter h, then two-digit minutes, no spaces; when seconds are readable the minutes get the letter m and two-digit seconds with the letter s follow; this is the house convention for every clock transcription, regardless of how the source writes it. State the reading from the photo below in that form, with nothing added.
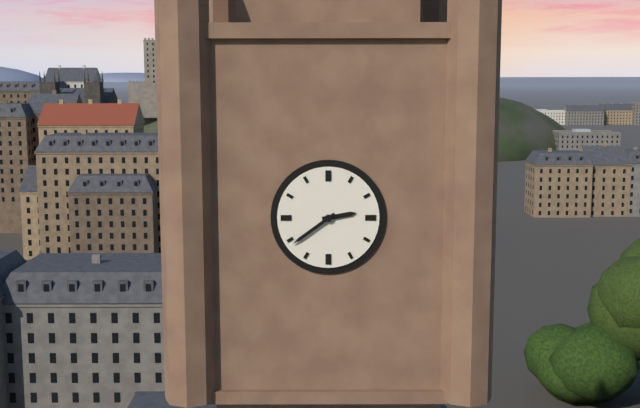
2h39
